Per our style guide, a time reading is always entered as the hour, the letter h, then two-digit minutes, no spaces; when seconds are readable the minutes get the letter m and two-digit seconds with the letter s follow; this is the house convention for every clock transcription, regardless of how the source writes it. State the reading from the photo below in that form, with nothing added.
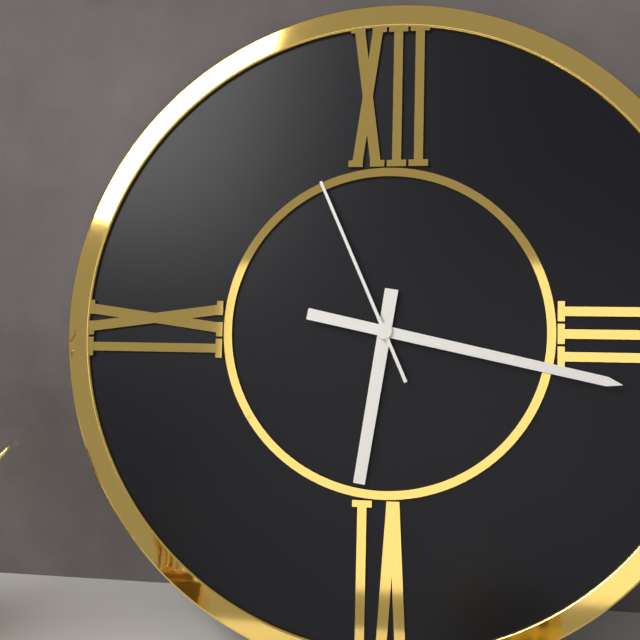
6h17m56s
